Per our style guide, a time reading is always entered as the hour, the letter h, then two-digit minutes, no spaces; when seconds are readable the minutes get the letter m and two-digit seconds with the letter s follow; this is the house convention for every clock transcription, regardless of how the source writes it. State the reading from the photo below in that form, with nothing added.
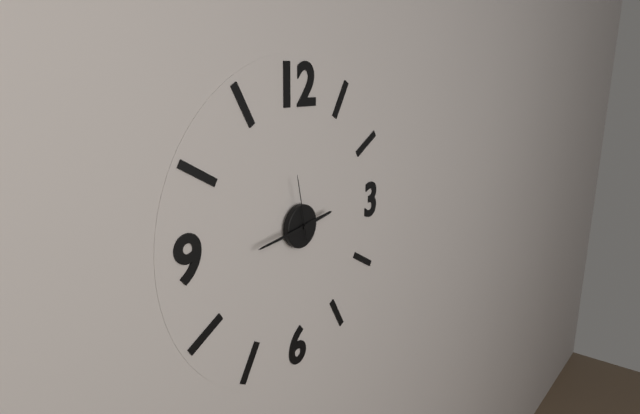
2h44m58s
